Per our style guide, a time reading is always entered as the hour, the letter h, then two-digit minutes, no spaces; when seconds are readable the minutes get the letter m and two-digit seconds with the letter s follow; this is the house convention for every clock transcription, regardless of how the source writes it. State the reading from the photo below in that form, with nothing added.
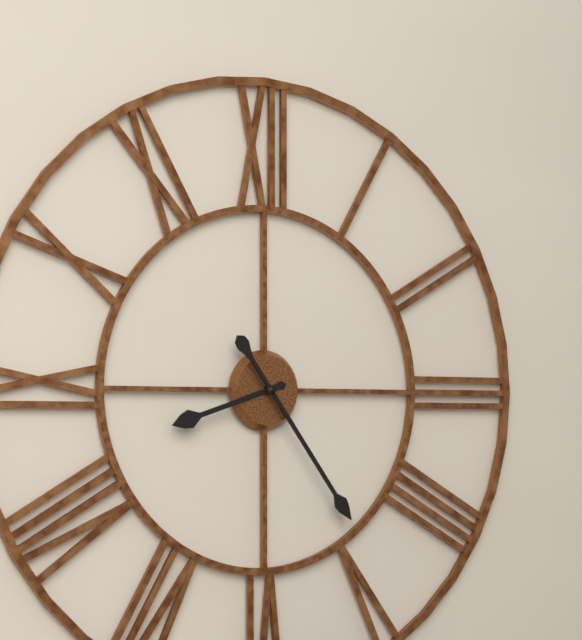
8h24
